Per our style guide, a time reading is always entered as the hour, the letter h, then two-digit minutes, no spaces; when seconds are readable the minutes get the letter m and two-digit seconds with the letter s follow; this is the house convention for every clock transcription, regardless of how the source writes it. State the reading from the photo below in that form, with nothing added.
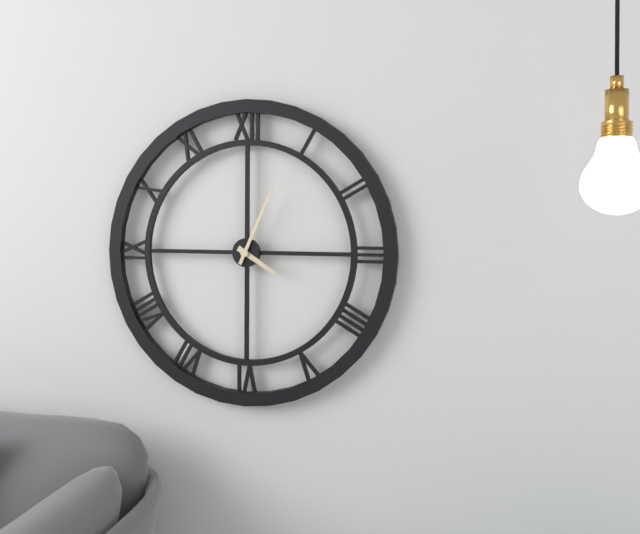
4h04
